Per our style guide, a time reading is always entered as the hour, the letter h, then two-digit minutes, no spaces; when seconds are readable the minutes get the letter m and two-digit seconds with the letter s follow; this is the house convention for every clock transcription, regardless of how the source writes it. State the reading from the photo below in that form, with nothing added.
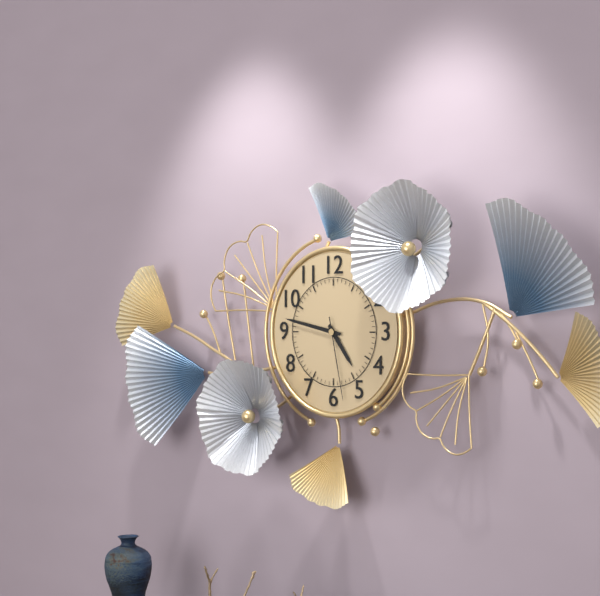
4h47m28s
